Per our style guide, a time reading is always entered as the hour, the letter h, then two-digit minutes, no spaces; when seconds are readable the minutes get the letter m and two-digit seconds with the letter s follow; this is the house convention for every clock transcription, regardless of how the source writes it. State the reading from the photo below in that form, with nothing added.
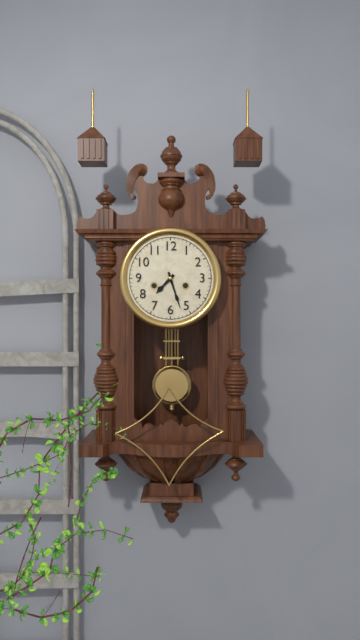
7h27
